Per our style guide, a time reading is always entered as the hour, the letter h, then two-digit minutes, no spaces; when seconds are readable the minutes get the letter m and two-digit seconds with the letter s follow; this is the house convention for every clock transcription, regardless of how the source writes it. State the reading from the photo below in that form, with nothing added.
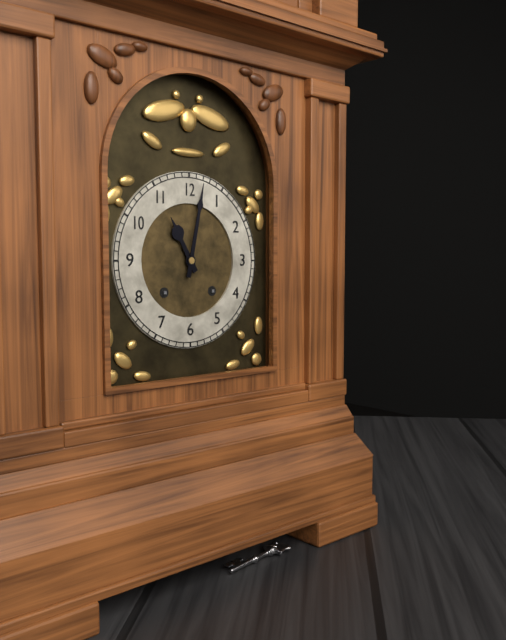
11h02
